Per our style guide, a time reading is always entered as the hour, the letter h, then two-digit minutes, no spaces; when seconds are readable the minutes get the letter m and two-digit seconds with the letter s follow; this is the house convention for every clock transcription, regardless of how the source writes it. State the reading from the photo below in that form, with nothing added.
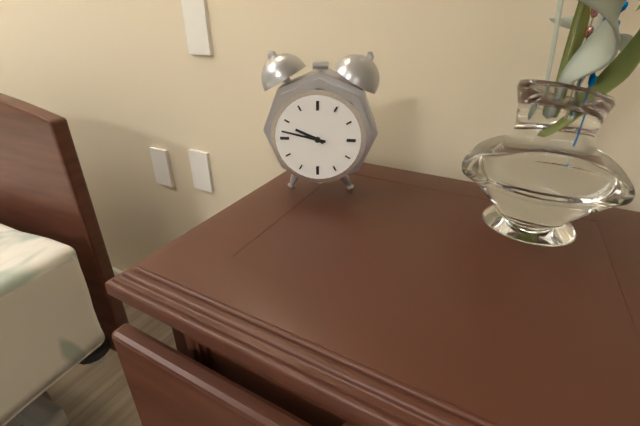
9h47
